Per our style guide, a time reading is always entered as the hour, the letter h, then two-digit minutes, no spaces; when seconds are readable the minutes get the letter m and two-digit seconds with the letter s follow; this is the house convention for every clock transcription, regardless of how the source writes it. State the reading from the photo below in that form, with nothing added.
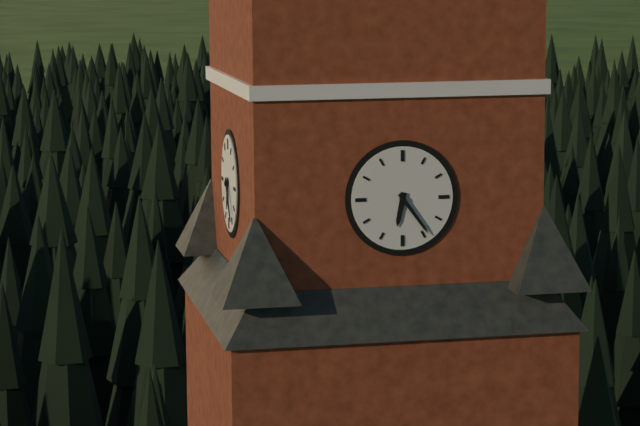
6h24
